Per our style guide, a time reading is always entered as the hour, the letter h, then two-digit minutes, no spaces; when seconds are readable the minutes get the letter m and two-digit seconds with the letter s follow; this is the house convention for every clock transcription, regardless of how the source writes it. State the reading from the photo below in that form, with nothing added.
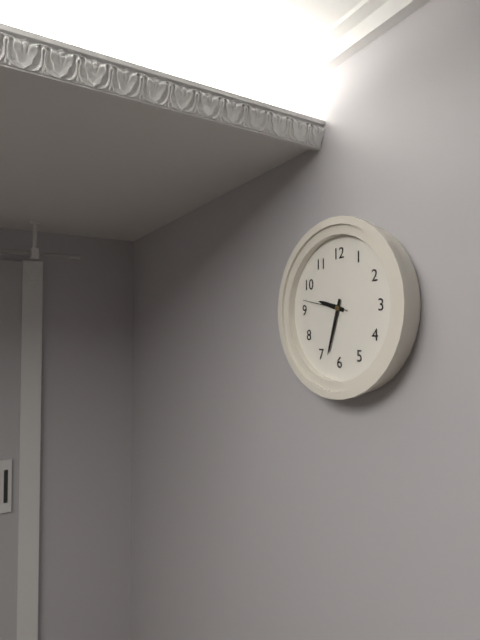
9h33
